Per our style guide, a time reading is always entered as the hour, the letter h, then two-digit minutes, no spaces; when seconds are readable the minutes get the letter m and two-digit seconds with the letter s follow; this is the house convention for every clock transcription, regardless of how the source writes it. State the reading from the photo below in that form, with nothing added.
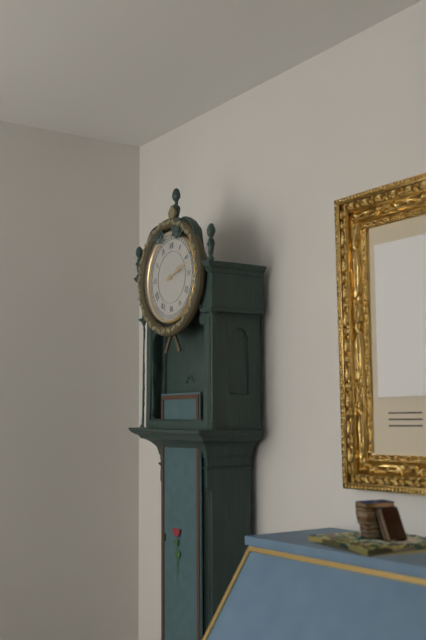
2h12
